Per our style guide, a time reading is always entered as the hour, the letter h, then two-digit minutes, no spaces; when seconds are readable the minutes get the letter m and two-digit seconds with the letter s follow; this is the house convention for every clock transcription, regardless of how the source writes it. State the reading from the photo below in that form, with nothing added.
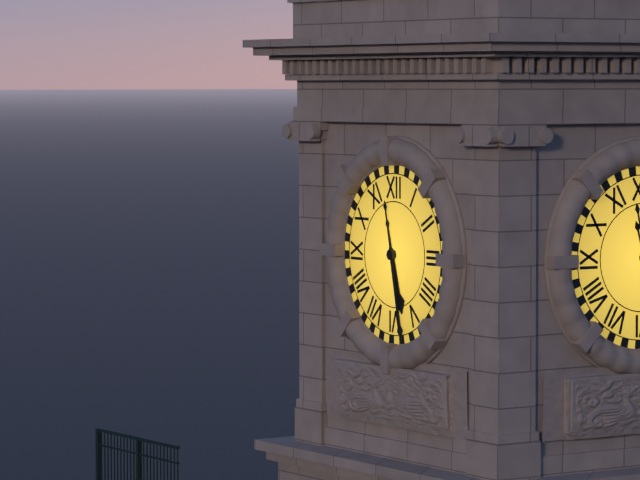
5h28
